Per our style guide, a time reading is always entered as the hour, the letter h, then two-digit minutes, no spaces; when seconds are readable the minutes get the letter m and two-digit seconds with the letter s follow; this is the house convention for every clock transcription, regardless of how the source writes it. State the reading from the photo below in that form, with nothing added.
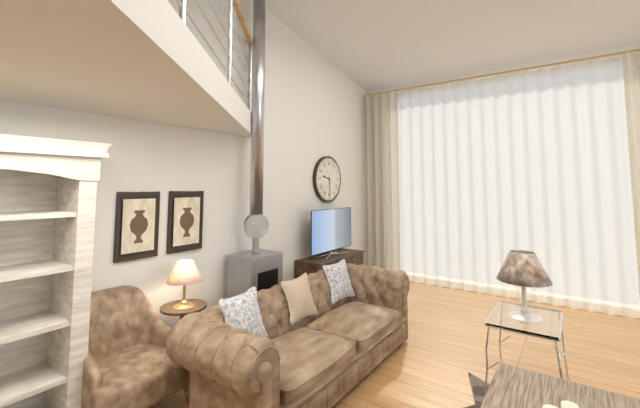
9h29
